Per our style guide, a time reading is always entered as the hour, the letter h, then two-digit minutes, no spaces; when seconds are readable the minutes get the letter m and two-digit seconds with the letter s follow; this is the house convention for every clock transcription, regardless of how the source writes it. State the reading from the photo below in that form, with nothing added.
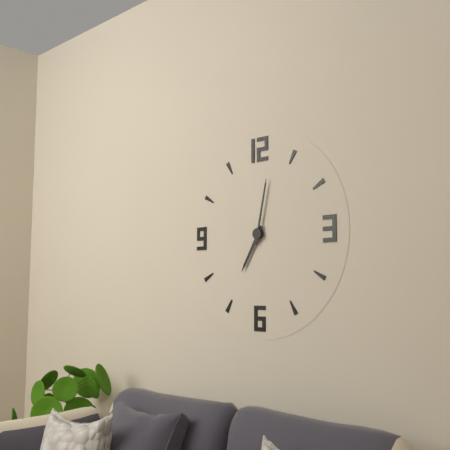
7h02
